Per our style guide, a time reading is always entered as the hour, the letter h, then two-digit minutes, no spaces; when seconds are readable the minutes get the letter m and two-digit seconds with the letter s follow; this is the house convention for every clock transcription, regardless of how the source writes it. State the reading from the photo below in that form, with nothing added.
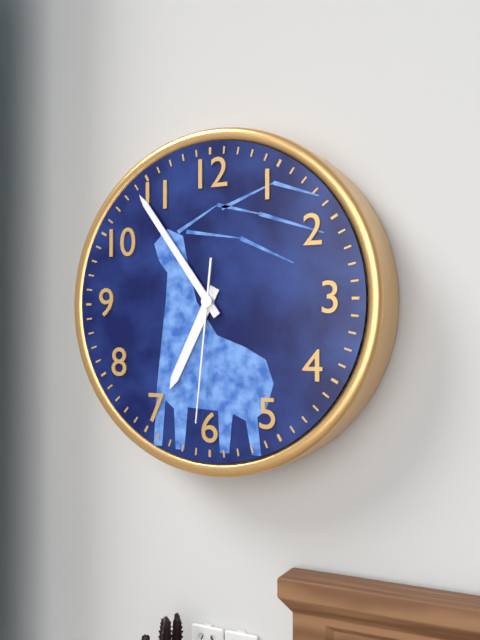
6h54m31s
